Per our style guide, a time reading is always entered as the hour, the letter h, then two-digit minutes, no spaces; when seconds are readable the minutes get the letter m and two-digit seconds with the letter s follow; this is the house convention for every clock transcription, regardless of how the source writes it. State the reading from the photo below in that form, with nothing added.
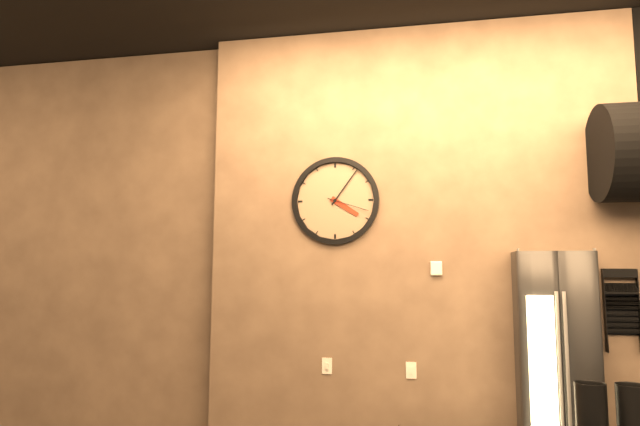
4h06
